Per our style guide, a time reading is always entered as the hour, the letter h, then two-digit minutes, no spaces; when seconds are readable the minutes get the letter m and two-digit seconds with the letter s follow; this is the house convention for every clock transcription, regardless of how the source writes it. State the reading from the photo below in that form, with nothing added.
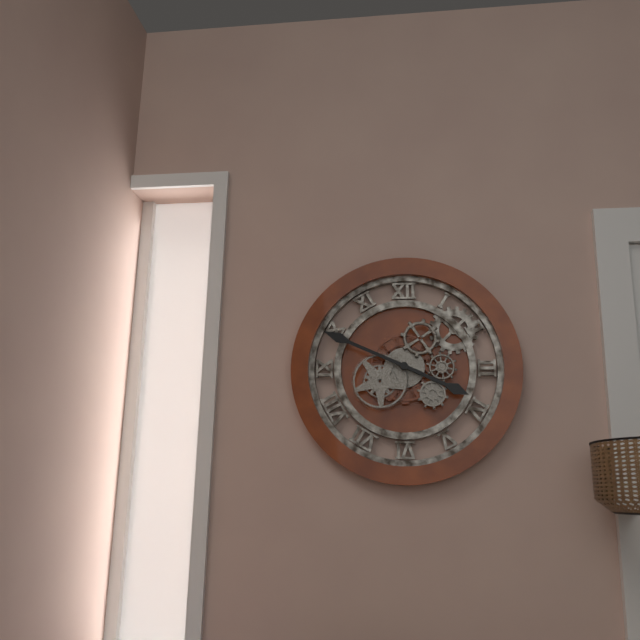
3h49
